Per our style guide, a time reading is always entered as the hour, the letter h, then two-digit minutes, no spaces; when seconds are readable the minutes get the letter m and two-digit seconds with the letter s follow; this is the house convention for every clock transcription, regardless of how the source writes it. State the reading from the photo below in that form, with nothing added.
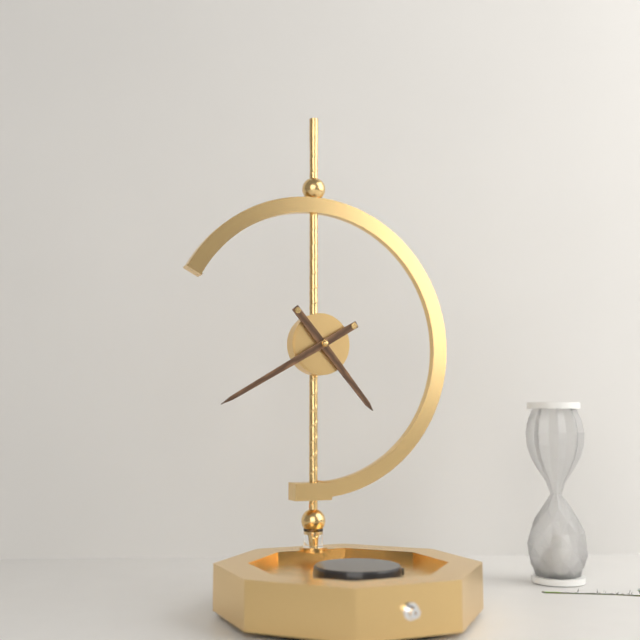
4h40
